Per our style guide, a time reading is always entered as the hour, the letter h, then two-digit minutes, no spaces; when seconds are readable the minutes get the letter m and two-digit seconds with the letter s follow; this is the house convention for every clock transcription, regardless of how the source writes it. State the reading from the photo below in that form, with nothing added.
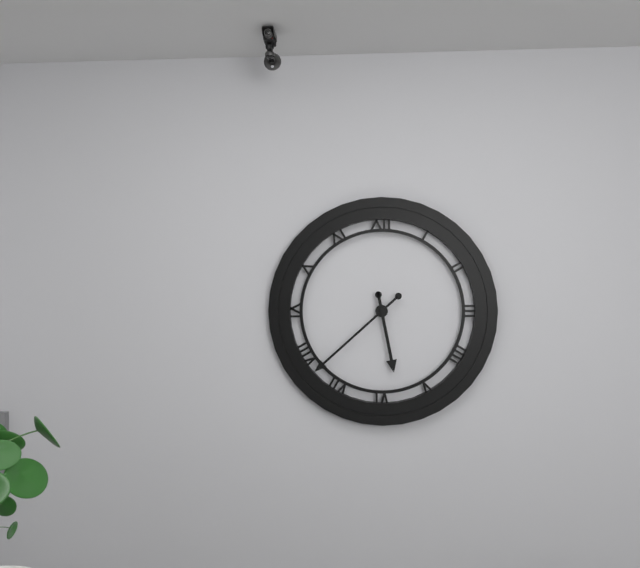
5h38
